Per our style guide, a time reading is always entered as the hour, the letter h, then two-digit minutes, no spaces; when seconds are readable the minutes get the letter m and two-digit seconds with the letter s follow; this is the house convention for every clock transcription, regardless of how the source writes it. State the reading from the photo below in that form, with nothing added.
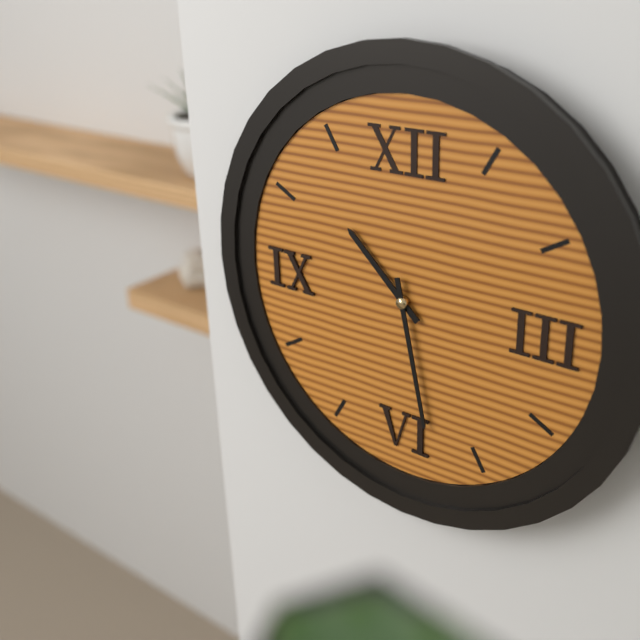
10h28
